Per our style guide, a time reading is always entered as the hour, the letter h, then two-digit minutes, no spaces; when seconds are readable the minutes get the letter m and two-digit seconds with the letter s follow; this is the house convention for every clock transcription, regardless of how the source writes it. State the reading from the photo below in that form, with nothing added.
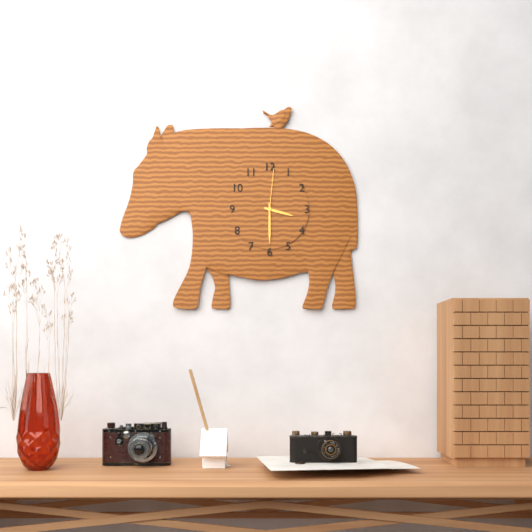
3h30m01s
